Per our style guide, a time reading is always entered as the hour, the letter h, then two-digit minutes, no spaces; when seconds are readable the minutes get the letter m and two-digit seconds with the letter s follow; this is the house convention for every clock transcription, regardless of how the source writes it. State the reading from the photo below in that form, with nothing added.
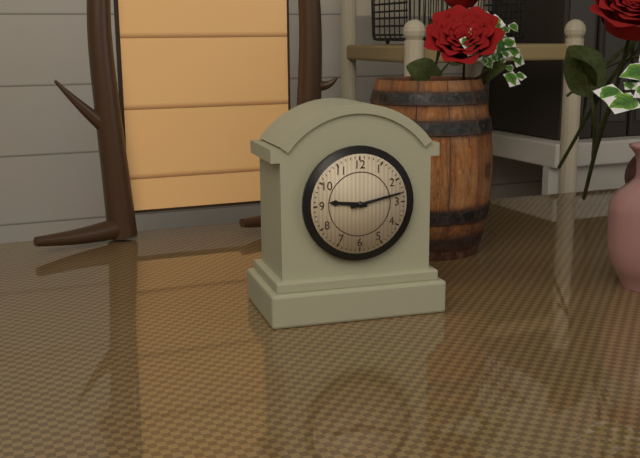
9h13
